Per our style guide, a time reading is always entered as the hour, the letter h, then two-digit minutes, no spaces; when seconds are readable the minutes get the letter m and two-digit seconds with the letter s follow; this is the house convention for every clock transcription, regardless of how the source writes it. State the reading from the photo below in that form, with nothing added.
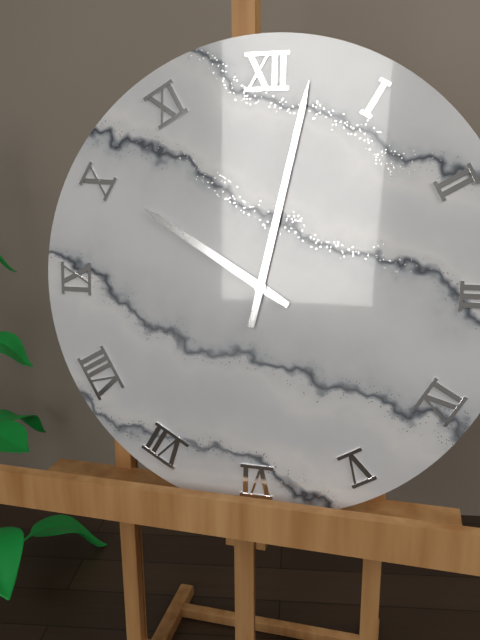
10h02
